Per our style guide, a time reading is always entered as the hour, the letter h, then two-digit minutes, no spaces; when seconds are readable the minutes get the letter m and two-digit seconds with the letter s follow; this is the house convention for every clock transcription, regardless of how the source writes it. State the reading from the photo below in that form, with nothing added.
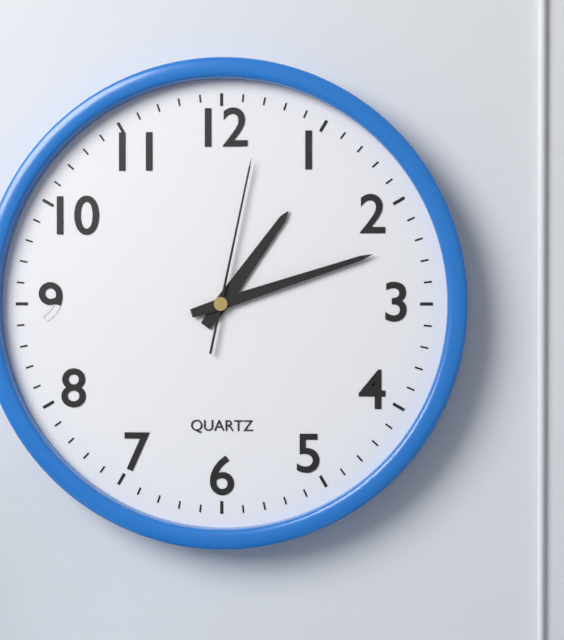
1h12m02s
